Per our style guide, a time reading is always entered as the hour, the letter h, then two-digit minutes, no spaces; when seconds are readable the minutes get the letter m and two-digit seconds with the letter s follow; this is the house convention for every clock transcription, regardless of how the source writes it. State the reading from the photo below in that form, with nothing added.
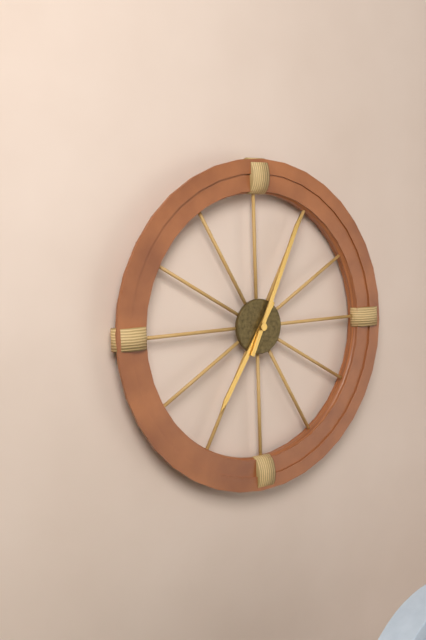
7h04
